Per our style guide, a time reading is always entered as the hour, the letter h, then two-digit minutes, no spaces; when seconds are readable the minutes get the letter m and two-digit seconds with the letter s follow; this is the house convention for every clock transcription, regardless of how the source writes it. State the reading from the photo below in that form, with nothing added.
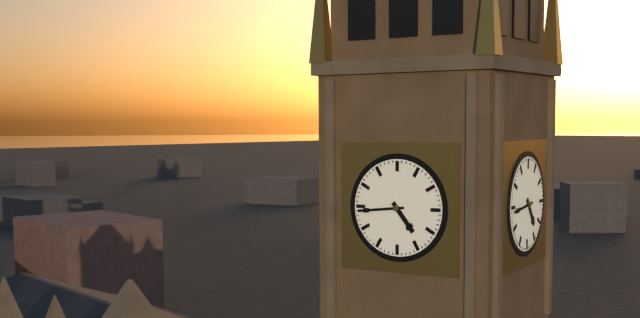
4h44
